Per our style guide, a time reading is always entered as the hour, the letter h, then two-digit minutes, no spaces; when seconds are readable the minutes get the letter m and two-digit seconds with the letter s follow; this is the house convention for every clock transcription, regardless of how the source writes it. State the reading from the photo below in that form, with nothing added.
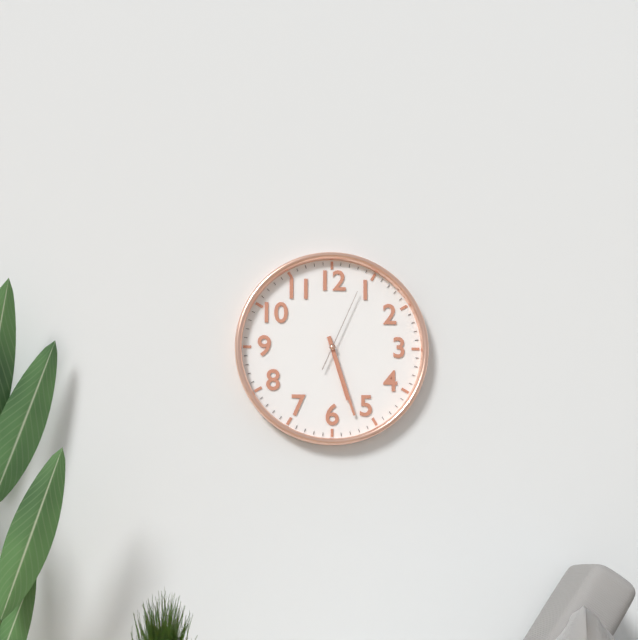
5h27m04s
